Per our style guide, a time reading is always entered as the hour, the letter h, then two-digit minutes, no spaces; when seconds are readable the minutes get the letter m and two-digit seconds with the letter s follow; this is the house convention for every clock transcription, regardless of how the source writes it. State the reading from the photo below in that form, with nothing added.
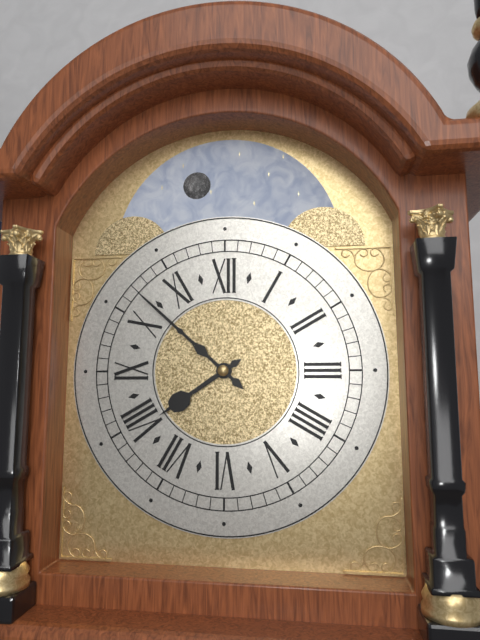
7h52
